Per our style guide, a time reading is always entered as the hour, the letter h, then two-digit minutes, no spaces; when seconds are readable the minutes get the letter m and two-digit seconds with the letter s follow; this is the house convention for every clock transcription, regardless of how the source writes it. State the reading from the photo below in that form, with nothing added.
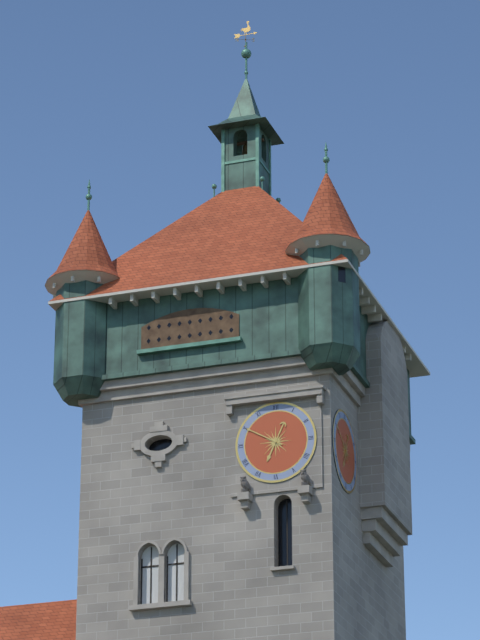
6h50
